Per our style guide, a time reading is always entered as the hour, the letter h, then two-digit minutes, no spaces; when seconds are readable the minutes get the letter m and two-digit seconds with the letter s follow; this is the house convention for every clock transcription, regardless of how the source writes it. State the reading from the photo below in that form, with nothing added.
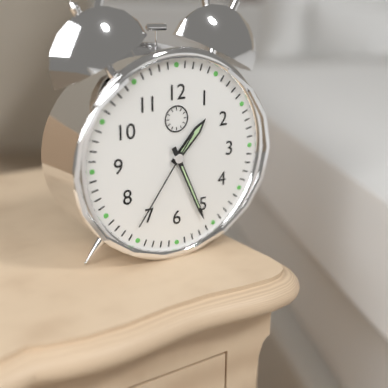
1h26m36s
